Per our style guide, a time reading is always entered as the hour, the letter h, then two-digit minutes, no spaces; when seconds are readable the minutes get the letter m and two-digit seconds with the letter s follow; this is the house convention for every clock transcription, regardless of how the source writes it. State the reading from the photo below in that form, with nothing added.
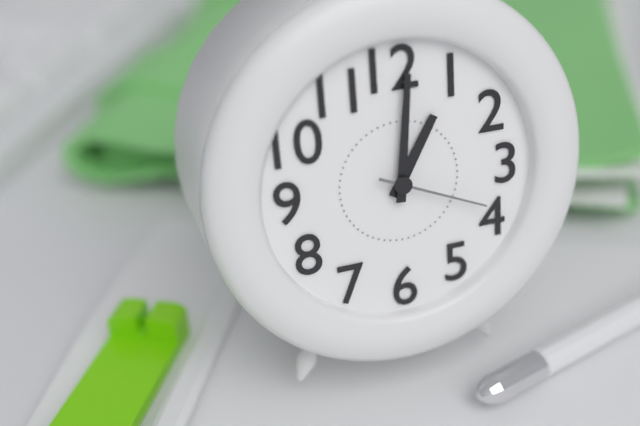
1h01m19s
